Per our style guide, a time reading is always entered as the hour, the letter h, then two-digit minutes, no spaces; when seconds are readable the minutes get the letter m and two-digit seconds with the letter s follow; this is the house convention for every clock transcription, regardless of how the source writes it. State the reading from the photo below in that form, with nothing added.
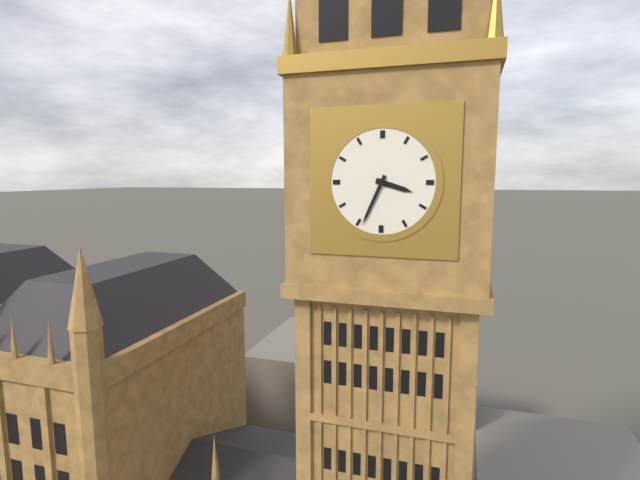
3h34
